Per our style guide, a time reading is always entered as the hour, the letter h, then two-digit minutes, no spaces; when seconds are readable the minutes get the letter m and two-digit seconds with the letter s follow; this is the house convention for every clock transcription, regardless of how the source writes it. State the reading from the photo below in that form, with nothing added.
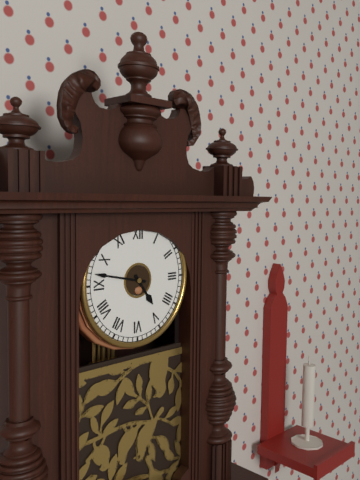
4h47
